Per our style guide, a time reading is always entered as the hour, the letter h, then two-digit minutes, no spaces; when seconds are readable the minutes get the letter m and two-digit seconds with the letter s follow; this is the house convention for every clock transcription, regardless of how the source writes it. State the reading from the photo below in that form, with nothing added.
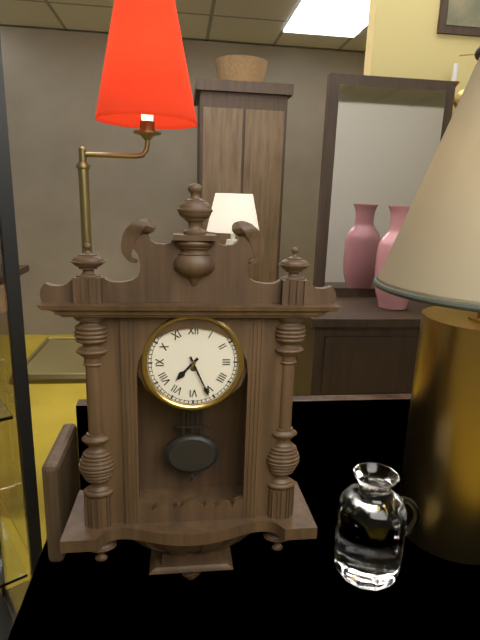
7h26
